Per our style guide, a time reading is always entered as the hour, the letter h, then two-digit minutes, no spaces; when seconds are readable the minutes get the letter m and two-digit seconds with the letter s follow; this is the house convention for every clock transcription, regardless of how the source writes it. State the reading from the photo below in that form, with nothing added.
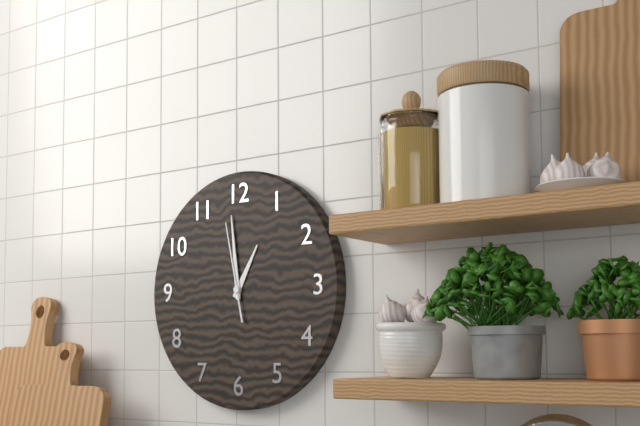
12h59m58s
